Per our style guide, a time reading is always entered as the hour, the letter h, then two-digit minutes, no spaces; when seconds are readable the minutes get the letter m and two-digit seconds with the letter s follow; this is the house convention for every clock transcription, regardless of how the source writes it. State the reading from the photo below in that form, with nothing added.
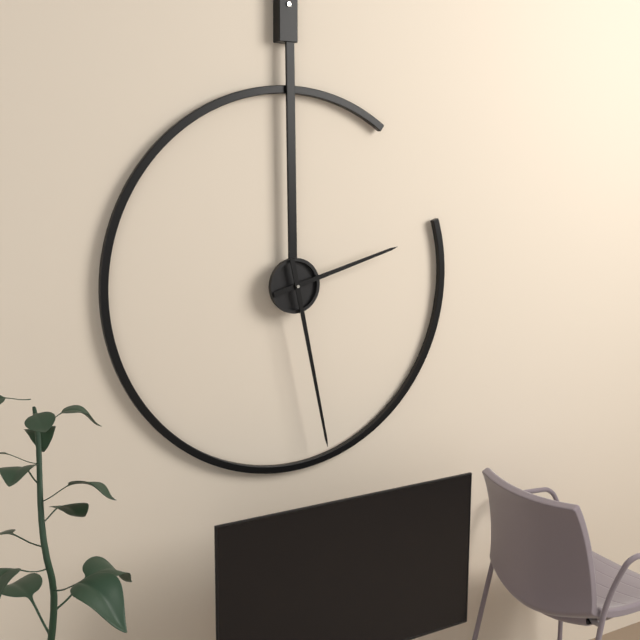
2h28
